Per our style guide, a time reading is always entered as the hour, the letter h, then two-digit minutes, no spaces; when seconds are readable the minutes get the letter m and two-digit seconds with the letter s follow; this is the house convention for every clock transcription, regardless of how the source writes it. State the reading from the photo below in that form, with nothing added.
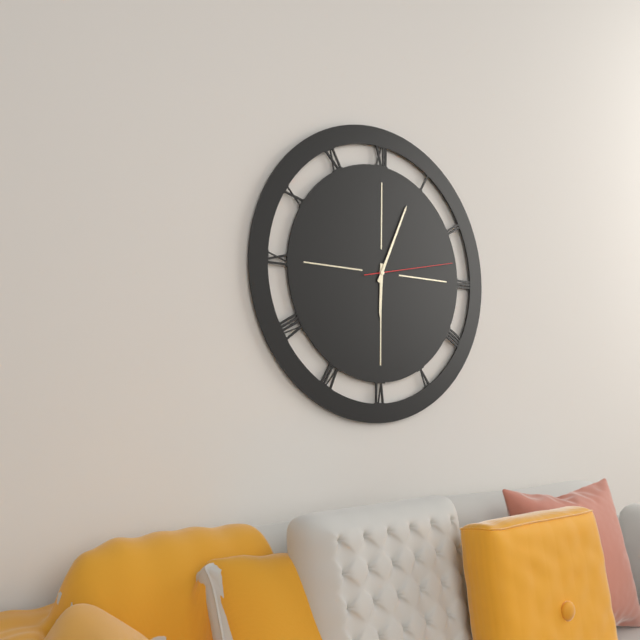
6h04m13s
